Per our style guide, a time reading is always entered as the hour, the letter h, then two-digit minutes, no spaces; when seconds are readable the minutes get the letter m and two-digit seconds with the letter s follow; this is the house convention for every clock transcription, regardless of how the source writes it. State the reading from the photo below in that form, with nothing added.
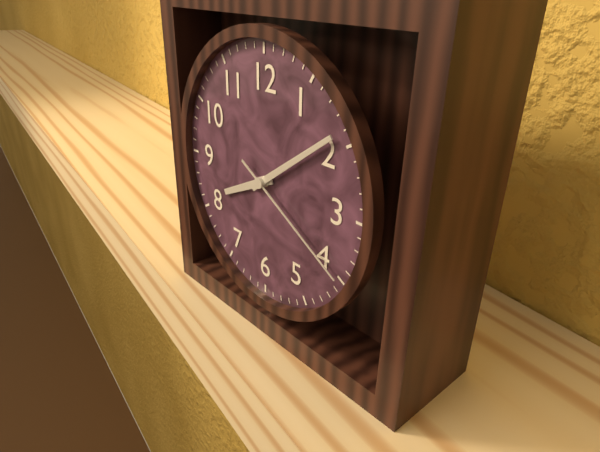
8h09m20s
